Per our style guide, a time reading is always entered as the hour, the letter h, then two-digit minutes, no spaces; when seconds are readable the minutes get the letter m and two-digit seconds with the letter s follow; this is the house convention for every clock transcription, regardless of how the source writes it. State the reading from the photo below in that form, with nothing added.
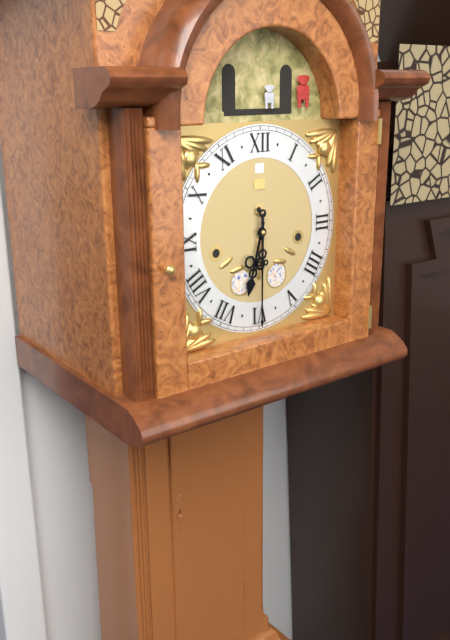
6h30
